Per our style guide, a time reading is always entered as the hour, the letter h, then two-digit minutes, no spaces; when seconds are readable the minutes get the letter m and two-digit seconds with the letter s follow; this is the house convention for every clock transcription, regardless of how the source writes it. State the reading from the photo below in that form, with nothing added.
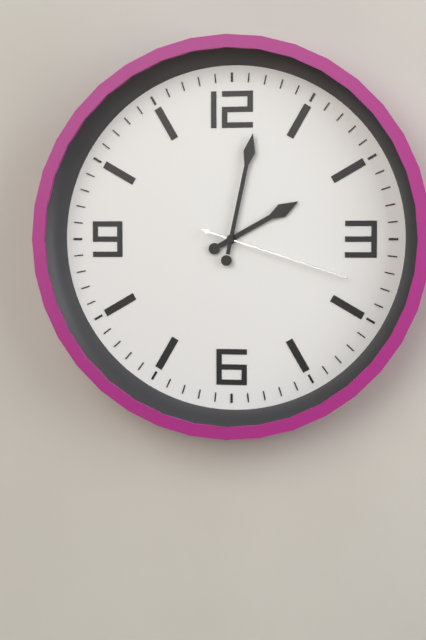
2h02m18s
